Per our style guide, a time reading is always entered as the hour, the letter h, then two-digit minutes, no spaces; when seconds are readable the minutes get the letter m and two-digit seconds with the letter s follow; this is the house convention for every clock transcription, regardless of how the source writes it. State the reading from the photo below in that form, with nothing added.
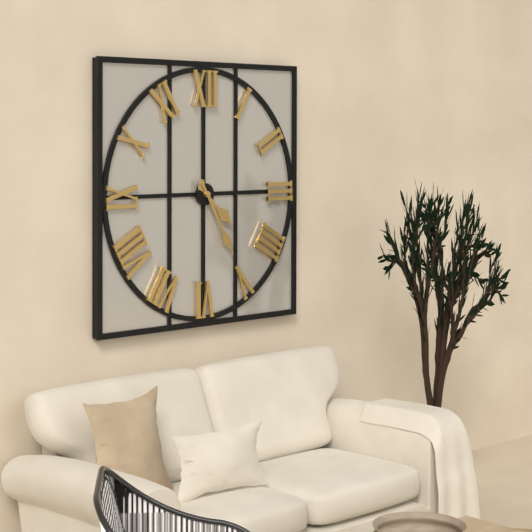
4h25
